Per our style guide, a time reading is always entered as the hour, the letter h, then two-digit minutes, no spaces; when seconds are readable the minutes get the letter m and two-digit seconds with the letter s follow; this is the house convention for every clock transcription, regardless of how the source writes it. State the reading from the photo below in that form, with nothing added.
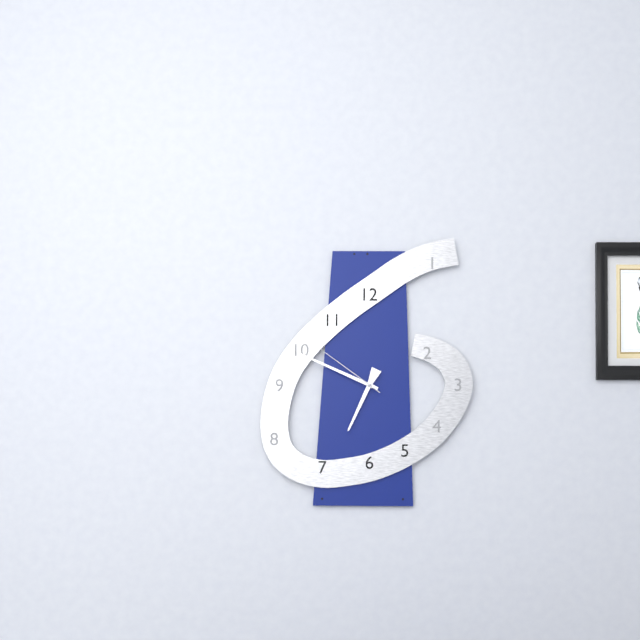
6h49m51s
